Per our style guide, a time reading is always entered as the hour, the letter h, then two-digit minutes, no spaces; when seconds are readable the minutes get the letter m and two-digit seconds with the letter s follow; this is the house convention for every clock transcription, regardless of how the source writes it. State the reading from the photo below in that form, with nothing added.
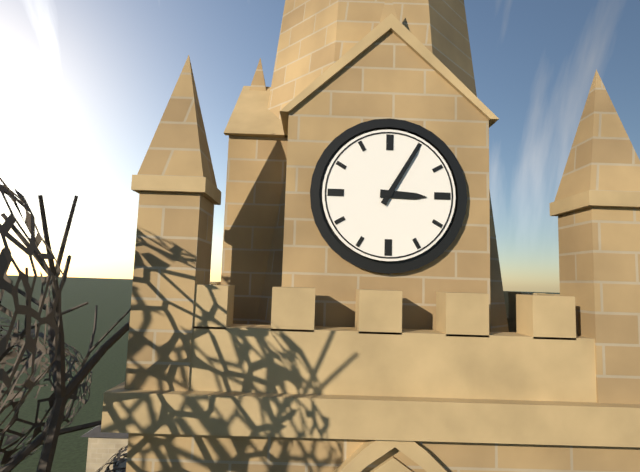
3h05
